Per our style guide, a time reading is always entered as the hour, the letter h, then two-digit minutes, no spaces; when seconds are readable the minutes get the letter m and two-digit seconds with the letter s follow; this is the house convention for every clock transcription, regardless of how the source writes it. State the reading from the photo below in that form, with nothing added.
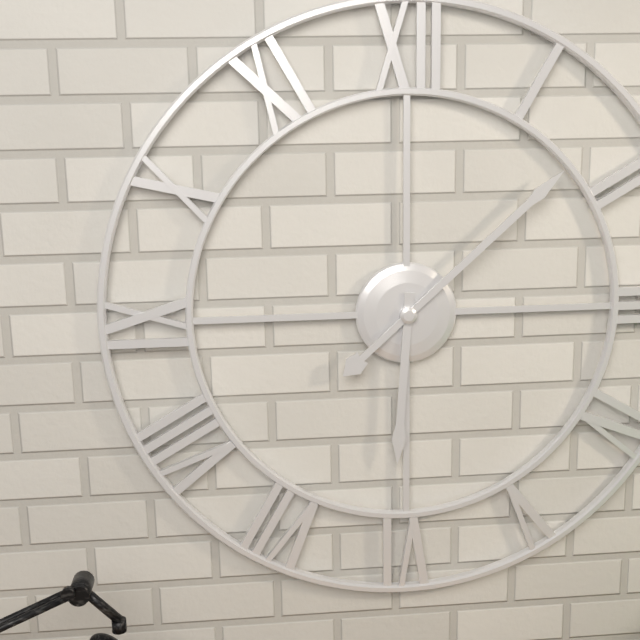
6h08
